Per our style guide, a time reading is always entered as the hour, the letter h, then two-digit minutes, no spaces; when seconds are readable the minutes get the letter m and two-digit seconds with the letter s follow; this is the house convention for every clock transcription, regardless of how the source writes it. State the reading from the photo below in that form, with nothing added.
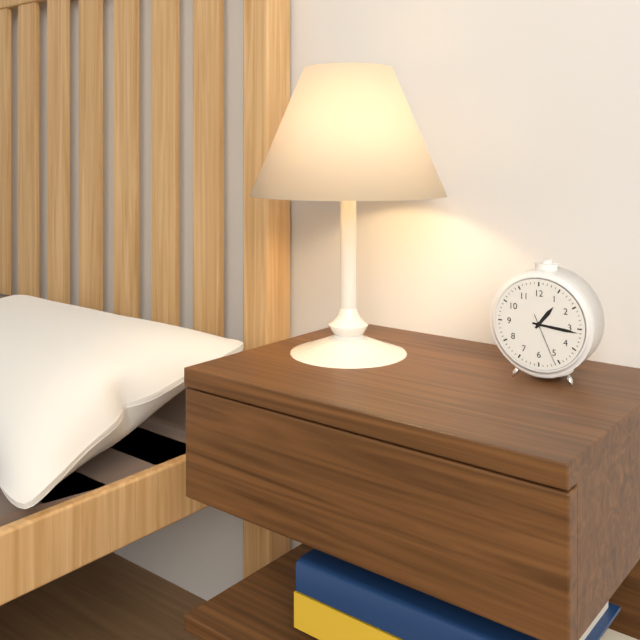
1h16m26s
